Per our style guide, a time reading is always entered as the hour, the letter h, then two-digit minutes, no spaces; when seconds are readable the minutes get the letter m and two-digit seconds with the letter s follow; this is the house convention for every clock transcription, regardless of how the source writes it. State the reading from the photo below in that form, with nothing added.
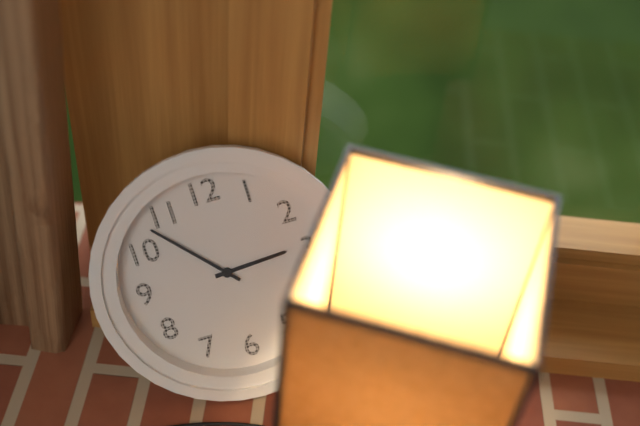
2h53
